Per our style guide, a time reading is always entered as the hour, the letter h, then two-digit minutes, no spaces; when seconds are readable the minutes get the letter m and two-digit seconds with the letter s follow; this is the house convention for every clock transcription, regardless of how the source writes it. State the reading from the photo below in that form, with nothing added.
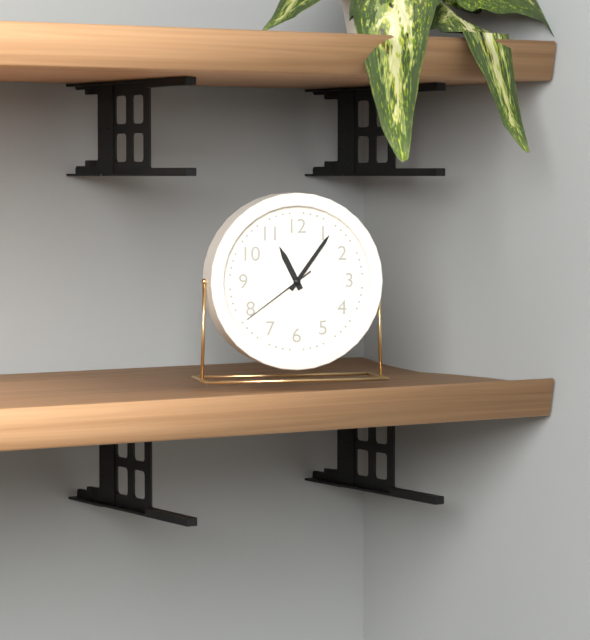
11h06m39s
